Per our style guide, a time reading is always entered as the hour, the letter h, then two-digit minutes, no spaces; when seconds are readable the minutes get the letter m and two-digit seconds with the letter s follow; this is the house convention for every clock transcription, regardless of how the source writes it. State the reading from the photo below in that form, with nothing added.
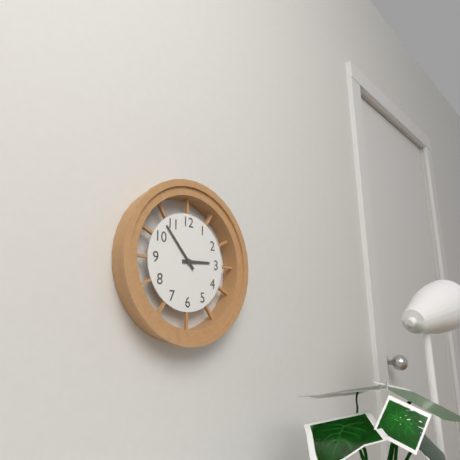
2h53
